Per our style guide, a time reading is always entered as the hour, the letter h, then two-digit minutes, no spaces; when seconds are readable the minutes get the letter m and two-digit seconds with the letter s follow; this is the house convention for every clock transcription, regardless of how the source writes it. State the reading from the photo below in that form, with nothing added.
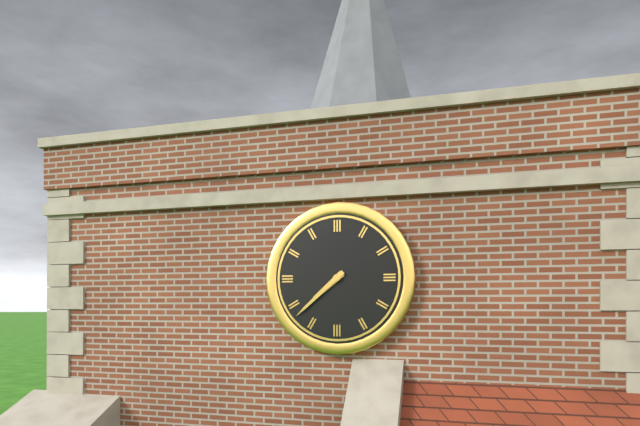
7h38
